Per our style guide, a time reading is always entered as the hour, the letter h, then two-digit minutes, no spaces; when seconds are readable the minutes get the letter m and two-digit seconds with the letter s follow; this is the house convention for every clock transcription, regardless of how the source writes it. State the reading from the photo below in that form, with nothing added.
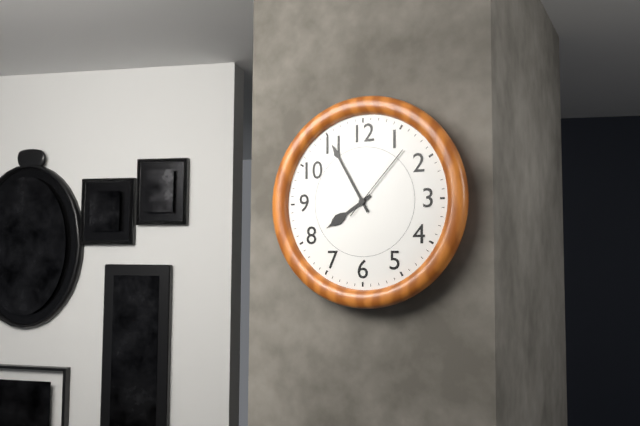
7h55m07s
